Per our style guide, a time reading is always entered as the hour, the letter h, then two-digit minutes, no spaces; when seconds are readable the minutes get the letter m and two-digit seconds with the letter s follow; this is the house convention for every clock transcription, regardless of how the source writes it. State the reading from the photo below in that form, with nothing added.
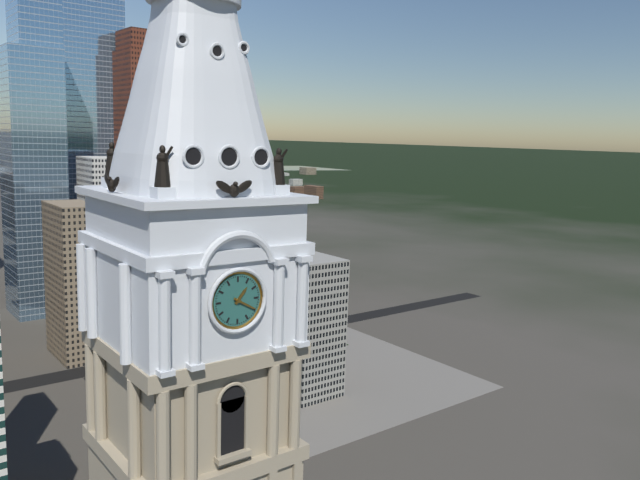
1h20
